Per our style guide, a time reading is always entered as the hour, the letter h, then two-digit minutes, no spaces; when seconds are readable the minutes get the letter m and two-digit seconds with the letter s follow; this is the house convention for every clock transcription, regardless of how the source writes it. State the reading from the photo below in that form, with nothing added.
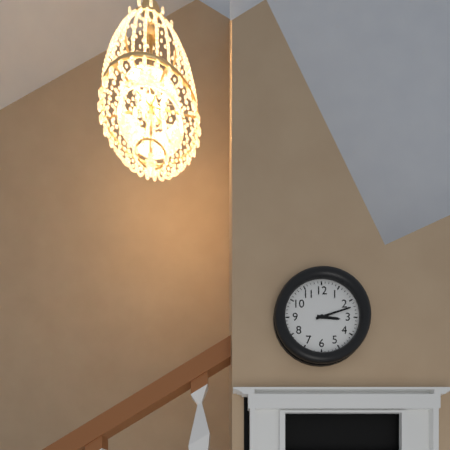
3h12
